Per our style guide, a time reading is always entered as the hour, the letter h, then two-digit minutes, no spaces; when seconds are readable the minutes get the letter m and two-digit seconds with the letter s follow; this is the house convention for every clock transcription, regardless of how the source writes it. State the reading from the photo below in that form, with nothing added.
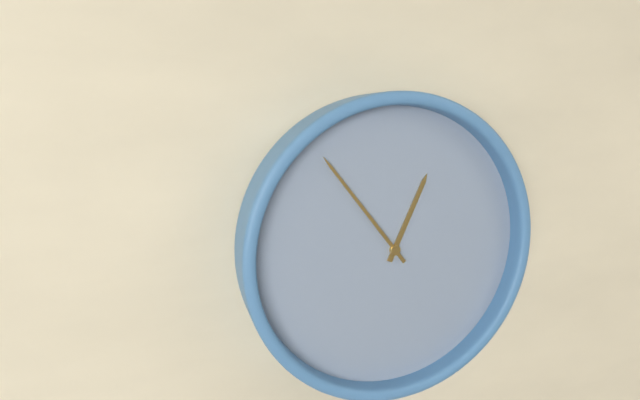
12h54
